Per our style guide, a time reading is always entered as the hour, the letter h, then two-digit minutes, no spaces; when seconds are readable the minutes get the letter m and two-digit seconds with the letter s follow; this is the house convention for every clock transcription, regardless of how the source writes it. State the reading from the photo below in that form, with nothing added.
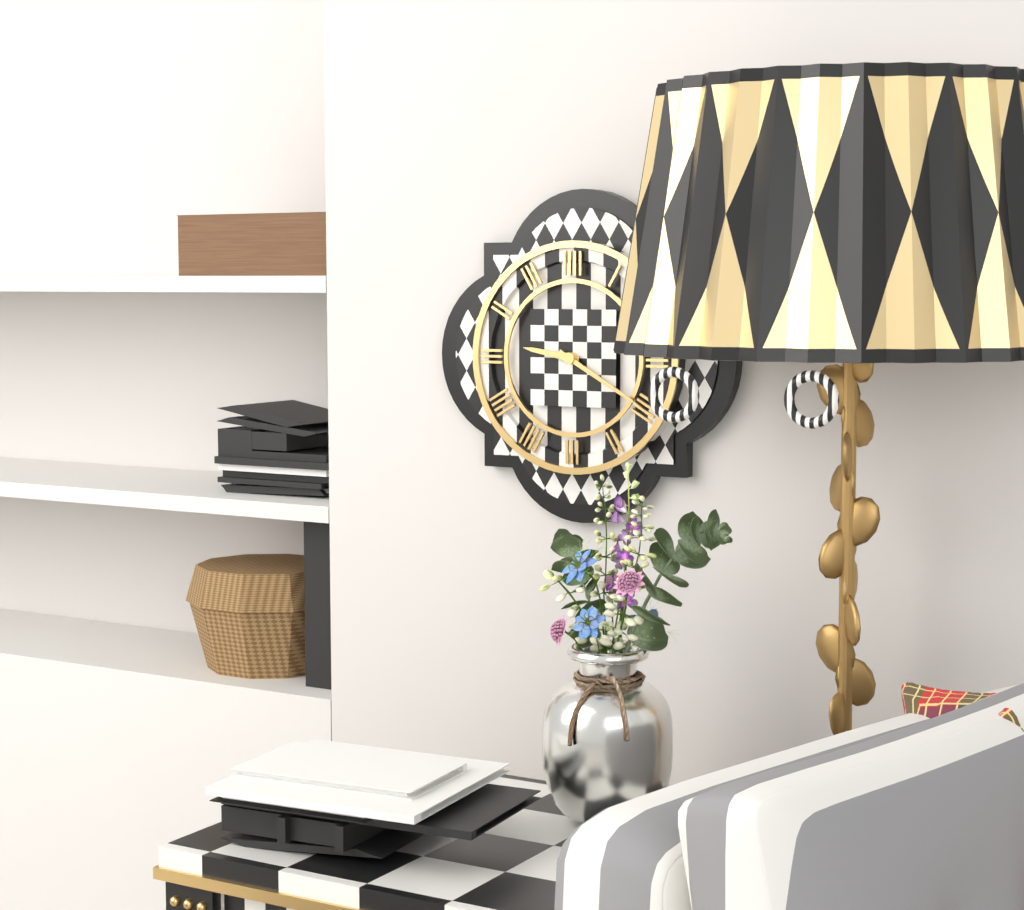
9h20
